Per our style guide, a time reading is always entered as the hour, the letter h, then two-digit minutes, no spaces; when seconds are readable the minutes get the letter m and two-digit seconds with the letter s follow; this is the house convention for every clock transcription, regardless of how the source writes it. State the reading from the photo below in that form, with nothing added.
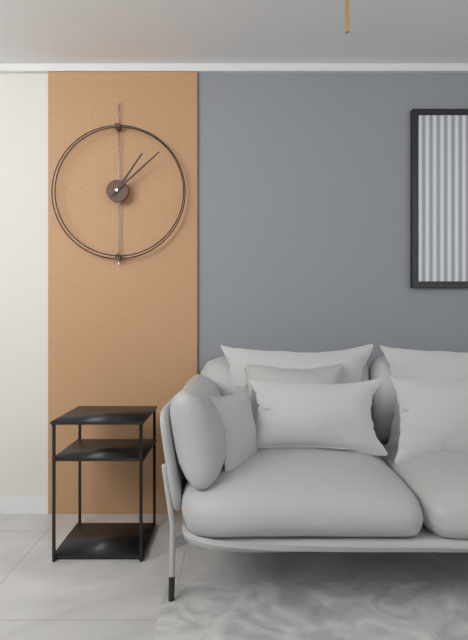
1h08
